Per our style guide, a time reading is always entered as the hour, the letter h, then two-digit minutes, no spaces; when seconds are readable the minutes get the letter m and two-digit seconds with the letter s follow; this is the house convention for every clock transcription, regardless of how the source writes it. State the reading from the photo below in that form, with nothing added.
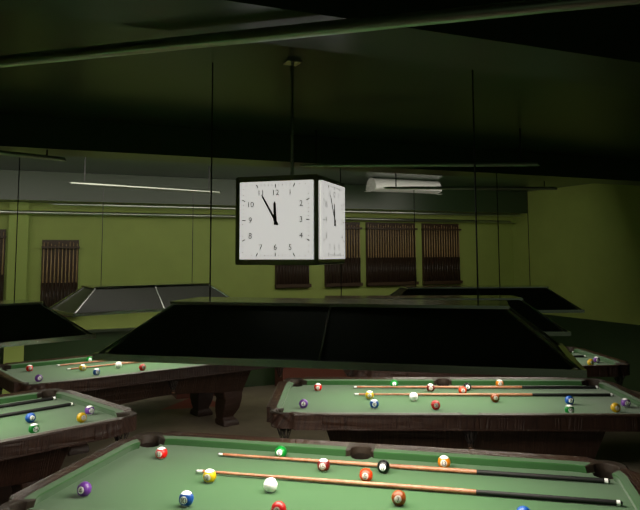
11h55
